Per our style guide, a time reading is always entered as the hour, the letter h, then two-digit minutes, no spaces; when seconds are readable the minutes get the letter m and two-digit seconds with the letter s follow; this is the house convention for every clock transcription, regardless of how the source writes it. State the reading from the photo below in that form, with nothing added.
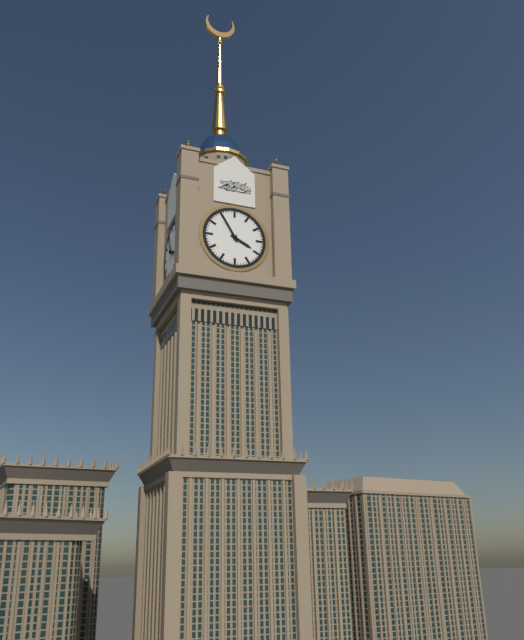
3h55
